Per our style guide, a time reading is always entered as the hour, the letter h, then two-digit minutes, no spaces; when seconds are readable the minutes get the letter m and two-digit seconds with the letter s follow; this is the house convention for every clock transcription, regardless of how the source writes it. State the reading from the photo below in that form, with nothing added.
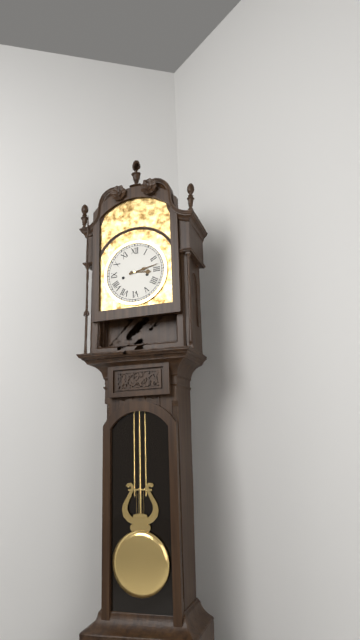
3h13
